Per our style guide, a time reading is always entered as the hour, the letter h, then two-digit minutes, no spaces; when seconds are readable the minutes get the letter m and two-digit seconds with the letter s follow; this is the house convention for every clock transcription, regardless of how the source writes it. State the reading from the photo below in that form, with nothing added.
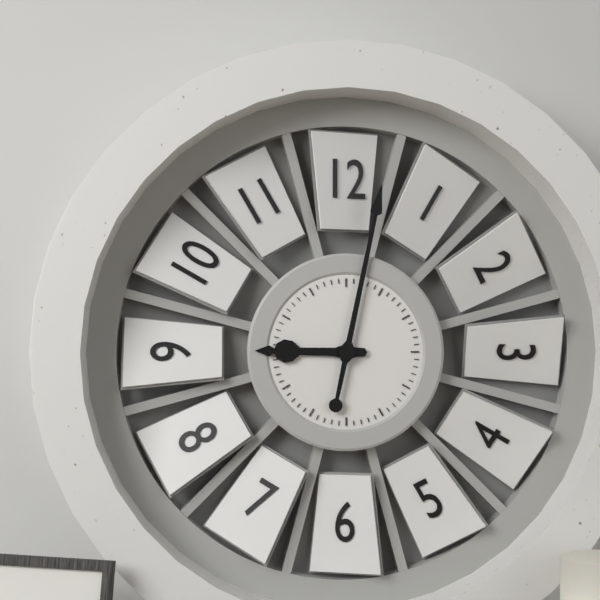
9h02
